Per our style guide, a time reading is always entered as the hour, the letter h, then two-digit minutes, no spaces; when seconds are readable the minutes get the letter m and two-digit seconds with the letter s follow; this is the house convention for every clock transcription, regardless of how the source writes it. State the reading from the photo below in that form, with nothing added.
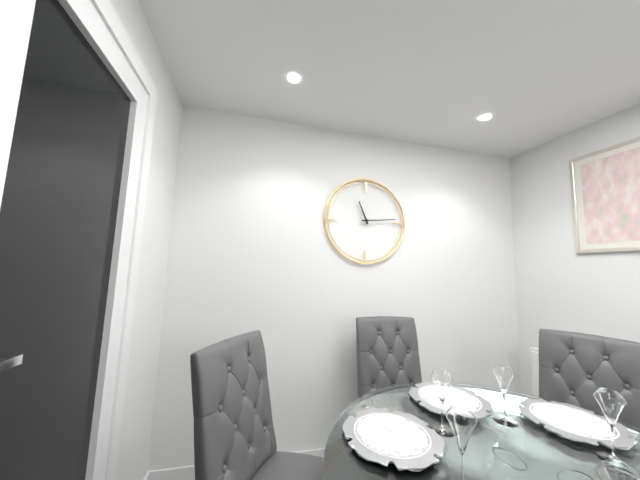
11h14
